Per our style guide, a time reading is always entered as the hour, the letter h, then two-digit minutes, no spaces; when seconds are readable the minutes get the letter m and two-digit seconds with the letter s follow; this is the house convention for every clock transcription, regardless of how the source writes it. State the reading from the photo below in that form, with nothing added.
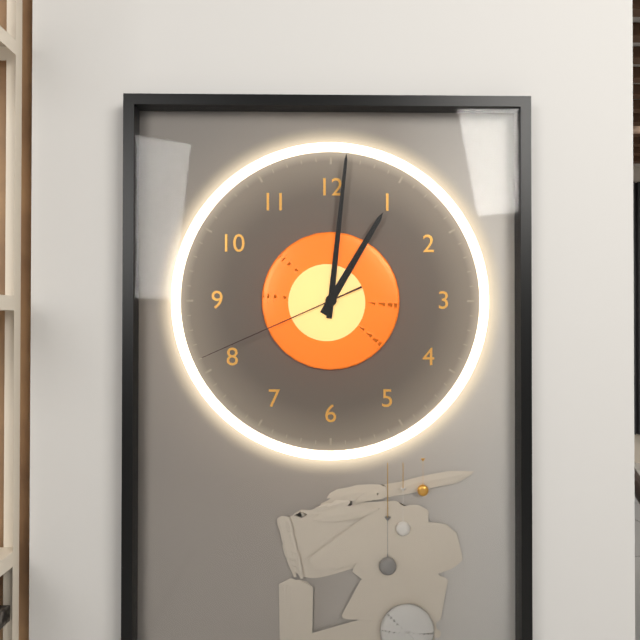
1h01m41s
